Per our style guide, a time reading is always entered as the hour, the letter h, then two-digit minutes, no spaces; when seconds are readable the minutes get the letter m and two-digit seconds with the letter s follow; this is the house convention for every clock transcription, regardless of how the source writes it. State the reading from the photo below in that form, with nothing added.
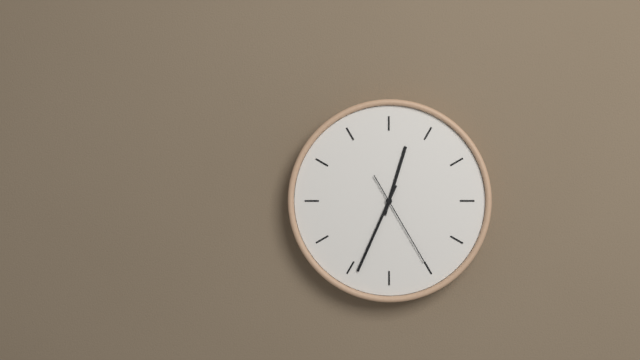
12h34m25s
